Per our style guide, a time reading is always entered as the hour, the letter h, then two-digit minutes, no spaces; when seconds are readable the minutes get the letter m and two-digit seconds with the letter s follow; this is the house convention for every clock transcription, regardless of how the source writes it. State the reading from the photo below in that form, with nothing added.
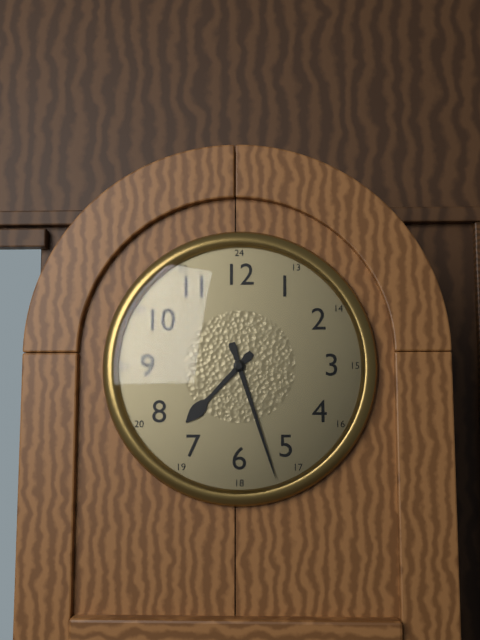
7h27
